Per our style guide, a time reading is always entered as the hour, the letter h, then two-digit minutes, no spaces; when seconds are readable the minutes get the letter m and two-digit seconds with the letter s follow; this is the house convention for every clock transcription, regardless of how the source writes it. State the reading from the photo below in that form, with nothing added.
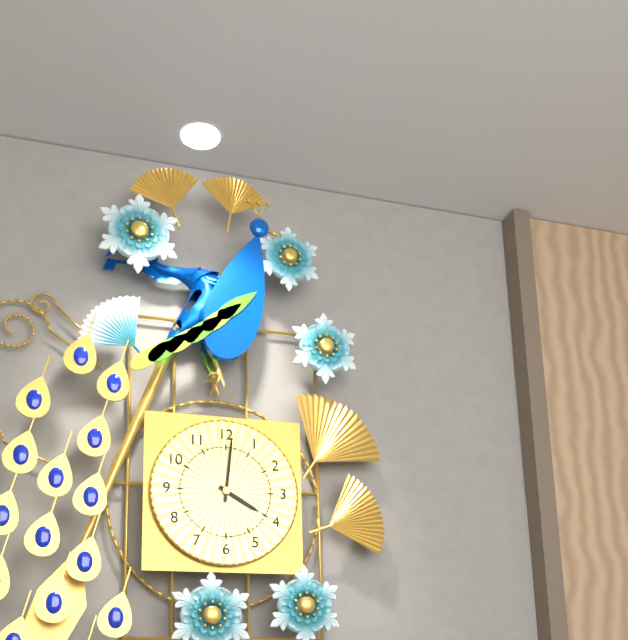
4h01
